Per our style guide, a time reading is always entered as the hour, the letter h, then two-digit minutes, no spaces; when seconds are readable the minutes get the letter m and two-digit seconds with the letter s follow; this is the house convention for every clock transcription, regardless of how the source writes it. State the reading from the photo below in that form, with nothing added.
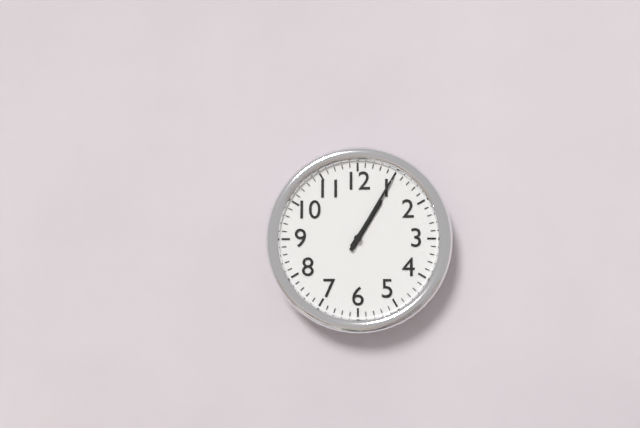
1h05
